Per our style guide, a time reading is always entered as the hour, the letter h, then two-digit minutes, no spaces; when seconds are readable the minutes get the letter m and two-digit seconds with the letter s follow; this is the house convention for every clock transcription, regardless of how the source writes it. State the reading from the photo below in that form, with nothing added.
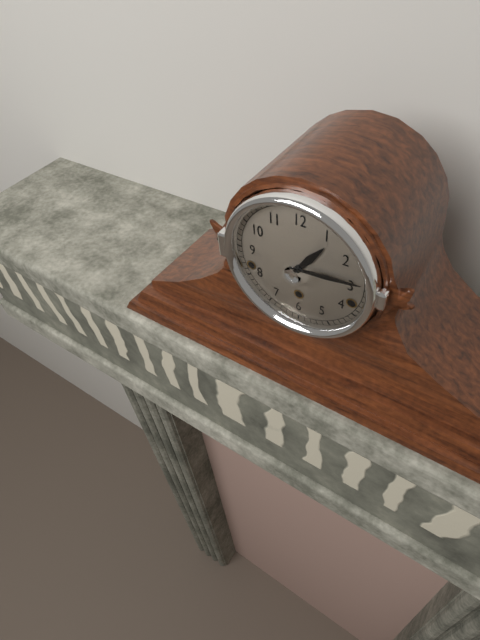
1h14
